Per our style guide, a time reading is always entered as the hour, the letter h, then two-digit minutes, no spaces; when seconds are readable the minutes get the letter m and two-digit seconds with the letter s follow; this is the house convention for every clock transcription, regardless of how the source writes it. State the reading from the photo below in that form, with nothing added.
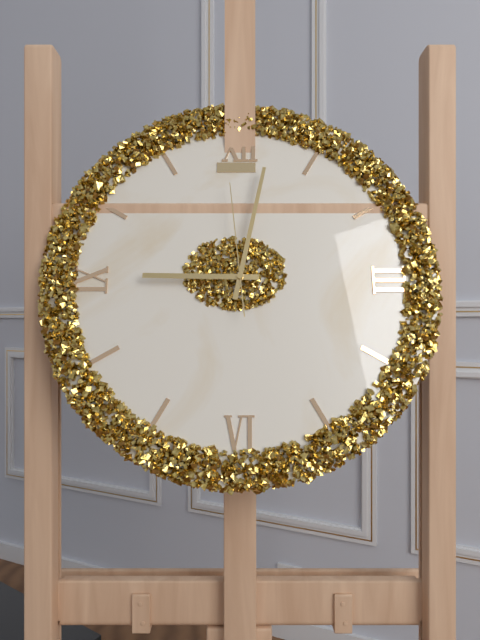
9h02m59s
